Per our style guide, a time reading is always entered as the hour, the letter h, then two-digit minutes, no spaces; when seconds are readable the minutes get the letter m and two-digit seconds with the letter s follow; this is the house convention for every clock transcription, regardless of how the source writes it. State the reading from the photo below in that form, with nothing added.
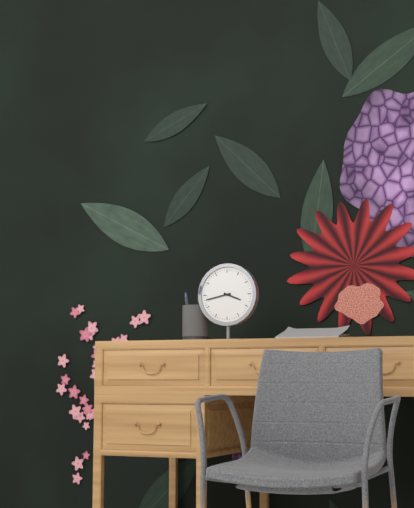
3h43
